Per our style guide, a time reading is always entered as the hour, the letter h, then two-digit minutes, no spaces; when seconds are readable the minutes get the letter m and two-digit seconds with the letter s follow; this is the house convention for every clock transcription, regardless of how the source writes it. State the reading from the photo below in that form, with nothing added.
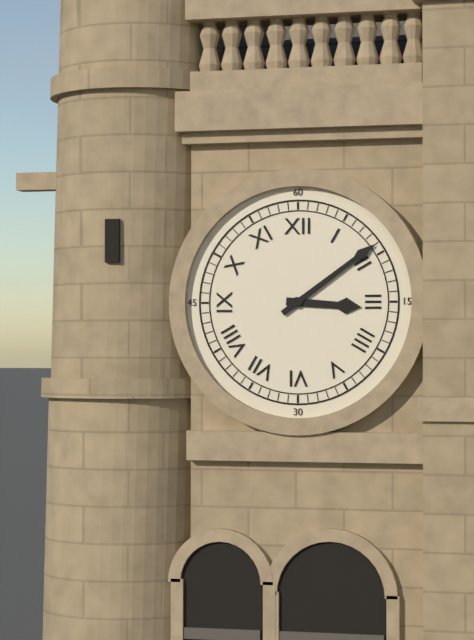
3h09
